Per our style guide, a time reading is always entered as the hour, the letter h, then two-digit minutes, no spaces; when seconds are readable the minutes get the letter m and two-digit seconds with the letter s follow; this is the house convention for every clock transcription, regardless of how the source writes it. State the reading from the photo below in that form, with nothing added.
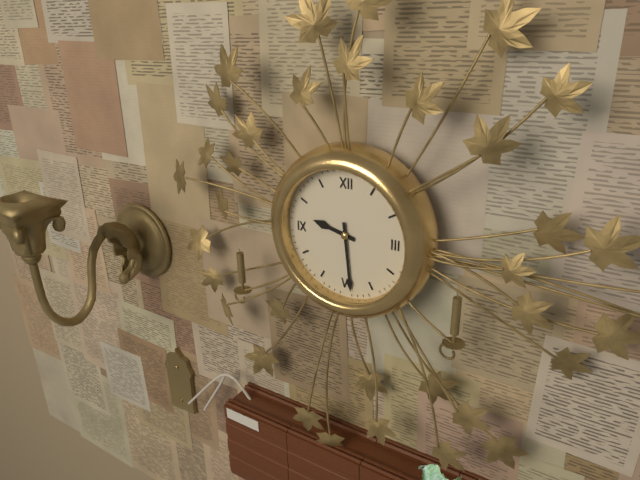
9h29
